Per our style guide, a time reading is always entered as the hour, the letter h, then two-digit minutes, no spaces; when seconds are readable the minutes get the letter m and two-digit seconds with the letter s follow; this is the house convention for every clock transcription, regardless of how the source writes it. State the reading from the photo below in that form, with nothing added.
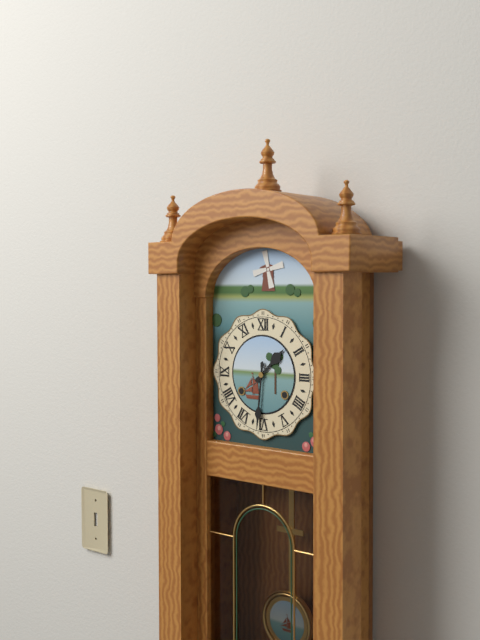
1h31
